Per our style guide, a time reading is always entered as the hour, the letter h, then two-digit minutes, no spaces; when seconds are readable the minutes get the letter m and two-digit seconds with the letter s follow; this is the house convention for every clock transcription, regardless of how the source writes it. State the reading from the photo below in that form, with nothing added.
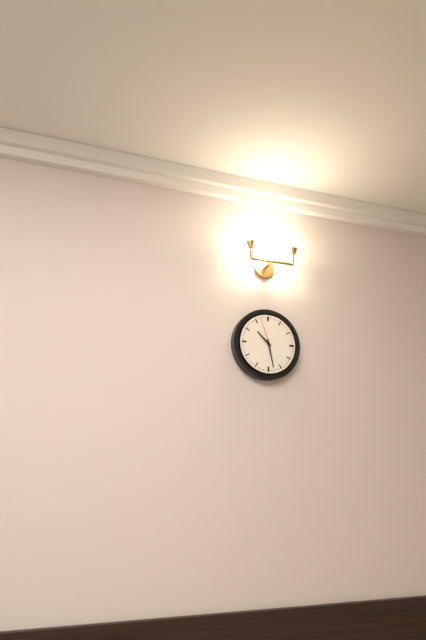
10h28
